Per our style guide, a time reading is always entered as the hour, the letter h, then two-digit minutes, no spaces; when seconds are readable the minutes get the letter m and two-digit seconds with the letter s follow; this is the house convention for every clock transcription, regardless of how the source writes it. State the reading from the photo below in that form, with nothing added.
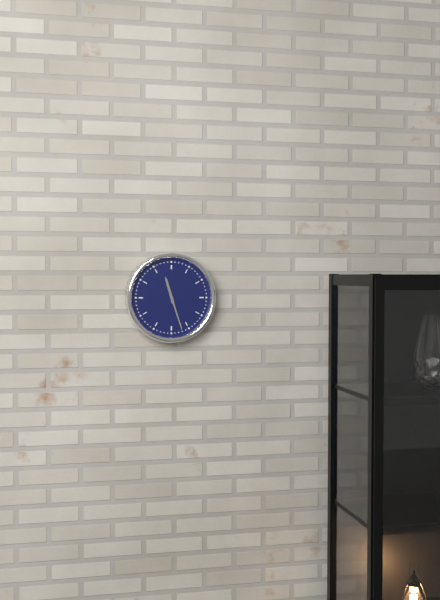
11h27
